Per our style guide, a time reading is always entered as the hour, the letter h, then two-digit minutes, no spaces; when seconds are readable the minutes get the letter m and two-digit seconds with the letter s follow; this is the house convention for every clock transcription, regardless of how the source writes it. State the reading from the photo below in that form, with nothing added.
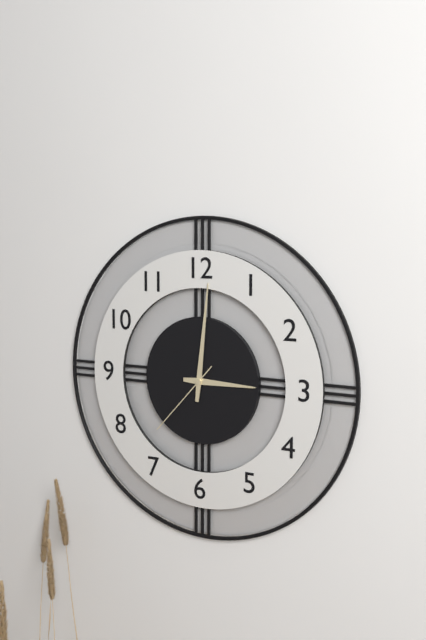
3h01m37s
